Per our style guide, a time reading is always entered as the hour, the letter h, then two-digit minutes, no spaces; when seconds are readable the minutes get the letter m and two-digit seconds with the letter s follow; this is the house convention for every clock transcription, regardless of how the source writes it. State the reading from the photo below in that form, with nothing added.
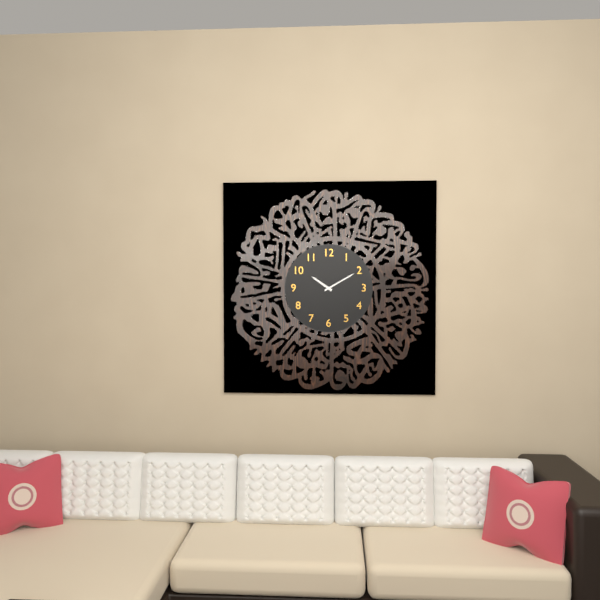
10h10
